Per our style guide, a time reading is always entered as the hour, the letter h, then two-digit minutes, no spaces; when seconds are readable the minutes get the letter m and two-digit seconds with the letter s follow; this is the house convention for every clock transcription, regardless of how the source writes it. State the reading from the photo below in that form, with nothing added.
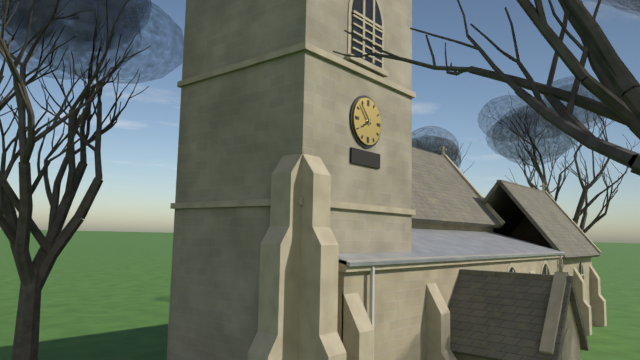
7h53
